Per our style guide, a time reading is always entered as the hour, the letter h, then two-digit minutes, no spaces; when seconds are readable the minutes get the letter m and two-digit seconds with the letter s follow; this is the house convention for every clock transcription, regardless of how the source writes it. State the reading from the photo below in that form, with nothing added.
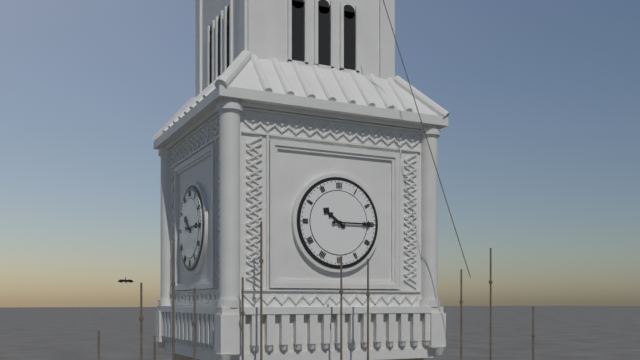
10h15
